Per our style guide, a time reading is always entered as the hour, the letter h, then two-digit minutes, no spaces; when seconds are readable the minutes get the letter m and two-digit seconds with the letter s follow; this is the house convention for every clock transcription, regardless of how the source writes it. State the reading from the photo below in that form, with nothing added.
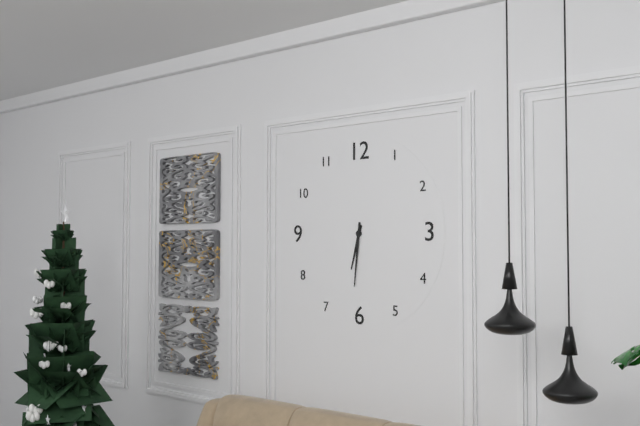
6h31
